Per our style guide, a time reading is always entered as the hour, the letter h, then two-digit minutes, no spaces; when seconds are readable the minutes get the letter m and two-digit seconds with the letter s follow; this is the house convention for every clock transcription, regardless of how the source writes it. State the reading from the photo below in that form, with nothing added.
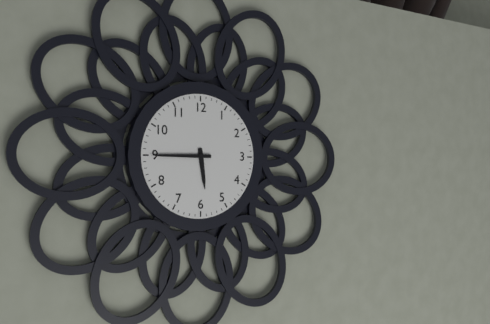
5h45
